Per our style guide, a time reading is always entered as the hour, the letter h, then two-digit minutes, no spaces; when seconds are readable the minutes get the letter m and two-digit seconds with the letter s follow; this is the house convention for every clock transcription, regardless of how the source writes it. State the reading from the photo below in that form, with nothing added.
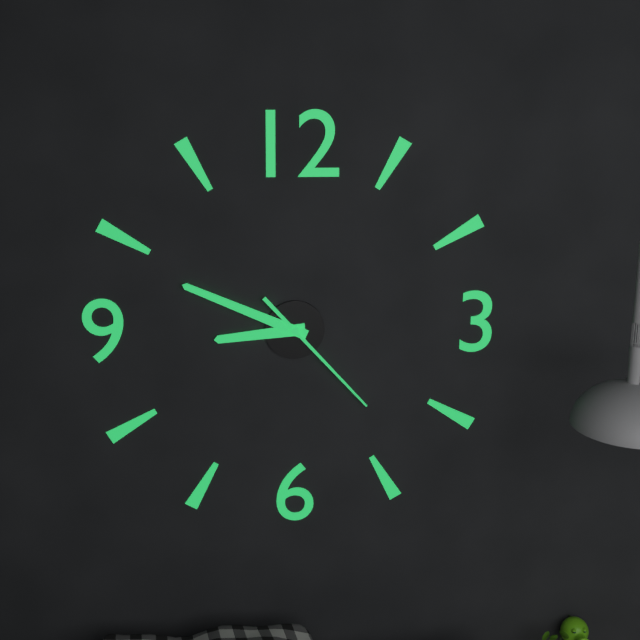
8h49m23s
